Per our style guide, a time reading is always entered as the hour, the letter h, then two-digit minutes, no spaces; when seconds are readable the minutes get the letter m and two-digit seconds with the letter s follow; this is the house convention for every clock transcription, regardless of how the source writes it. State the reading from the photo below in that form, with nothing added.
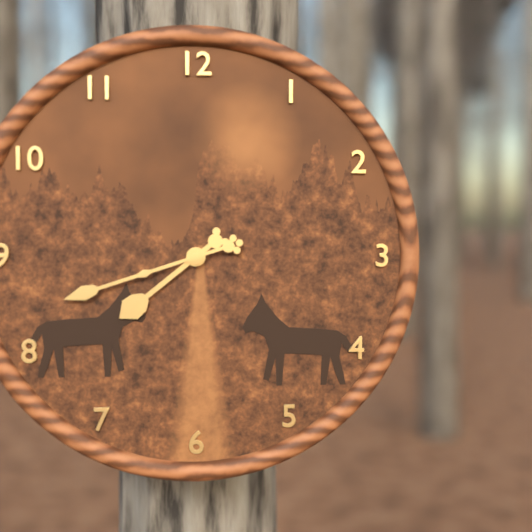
7h42
